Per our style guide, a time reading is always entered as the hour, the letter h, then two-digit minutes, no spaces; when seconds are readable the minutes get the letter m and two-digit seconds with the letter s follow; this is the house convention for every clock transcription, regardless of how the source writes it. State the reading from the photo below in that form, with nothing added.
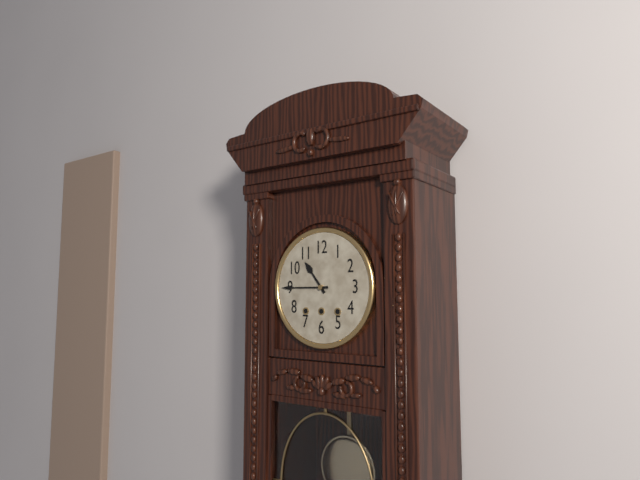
10h45
